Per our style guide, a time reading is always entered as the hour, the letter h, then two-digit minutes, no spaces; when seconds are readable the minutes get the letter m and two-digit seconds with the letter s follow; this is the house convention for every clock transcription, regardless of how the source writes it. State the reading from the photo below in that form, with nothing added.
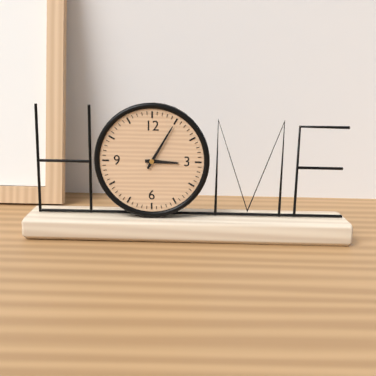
3h05
